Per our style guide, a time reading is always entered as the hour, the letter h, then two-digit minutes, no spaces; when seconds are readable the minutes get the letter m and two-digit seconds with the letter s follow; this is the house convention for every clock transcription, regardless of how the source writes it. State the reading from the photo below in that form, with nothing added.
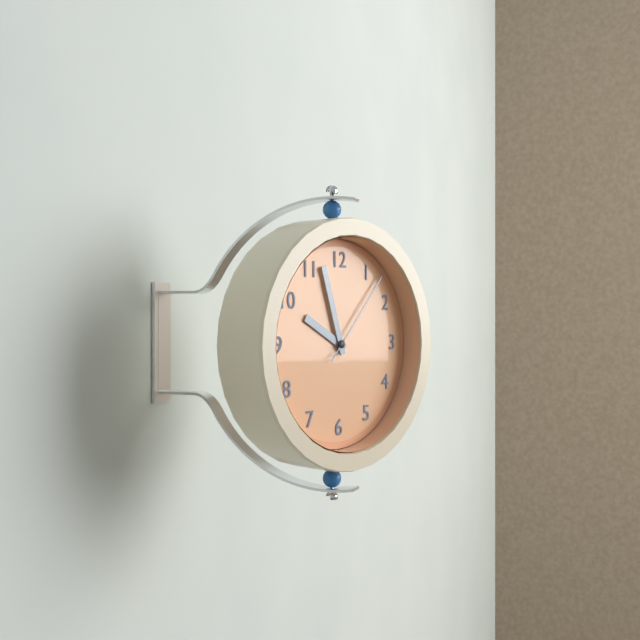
9h57m07s
